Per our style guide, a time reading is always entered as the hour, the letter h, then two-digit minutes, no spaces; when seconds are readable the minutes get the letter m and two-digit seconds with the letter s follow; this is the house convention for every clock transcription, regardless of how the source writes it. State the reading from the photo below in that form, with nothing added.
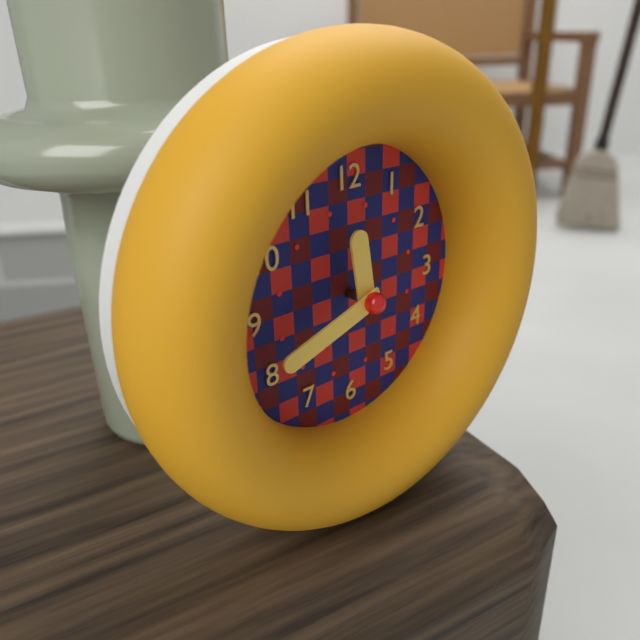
11h42
